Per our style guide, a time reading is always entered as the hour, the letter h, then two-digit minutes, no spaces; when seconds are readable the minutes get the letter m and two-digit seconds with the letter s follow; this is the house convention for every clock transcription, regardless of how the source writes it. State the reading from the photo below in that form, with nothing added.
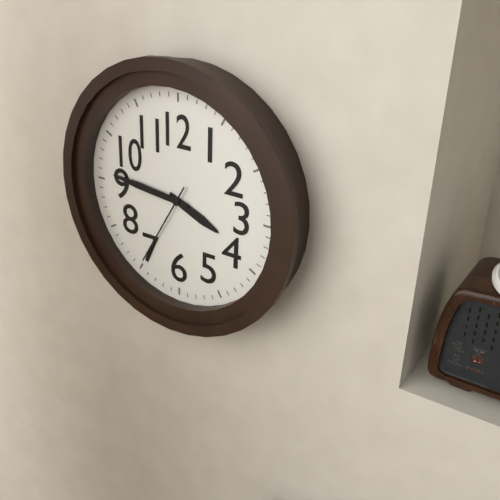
3h46m35s
